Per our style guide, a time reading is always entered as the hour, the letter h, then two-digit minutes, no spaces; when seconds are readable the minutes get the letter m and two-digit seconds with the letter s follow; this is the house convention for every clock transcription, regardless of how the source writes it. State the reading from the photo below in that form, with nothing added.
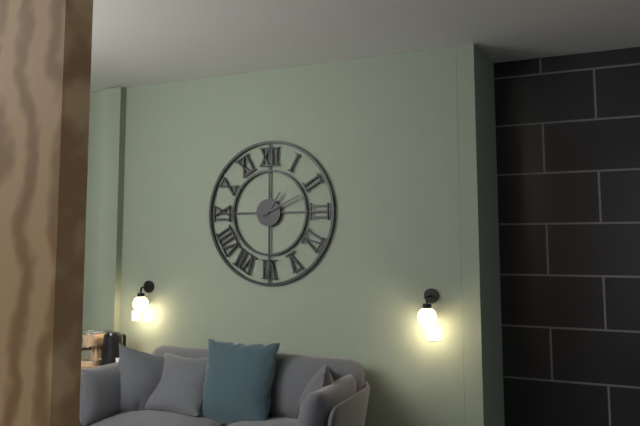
1h11
